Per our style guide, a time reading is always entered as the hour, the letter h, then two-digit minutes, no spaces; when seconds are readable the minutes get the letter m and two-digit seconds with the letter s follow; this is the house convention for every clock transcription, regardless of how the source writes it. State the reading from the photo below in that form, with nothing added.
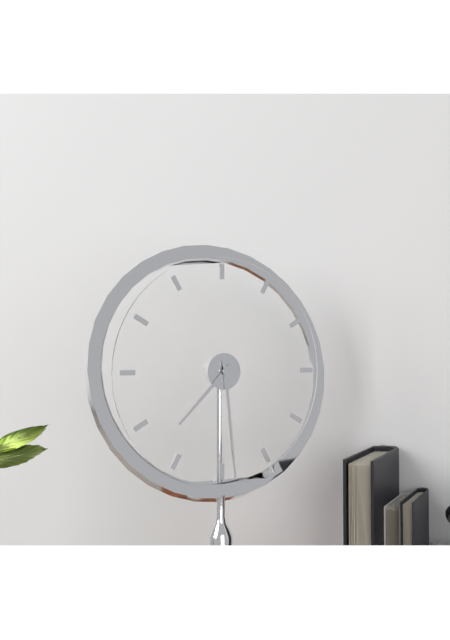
7h29
